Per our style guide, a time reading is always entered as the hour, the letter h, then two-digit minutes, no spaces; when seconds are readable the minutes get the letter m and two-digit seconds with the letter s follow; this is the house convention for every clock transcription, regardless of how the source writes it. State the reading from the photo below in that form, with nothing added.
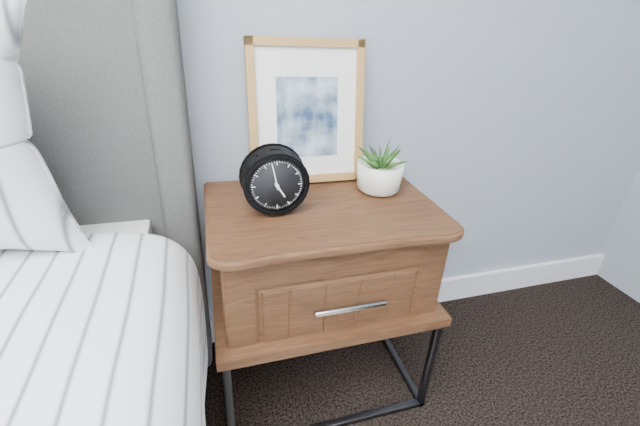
4h58
